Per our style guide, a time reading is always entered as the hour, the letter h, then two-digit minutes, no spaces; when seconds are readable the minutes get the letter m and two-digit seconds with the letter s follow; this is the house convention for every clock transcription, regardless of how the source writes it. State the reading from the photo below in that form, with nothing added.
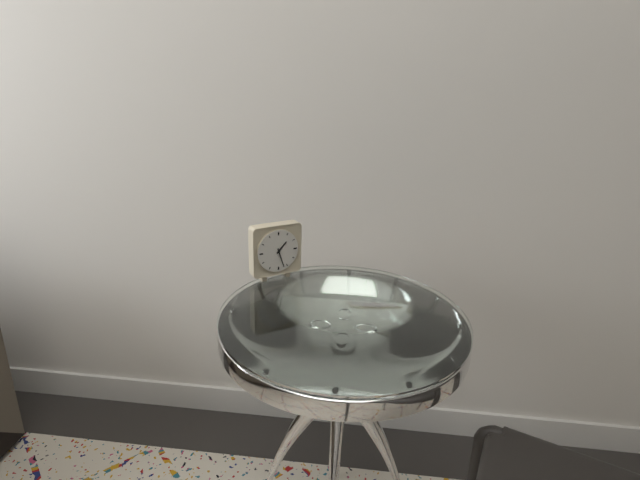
1h27
